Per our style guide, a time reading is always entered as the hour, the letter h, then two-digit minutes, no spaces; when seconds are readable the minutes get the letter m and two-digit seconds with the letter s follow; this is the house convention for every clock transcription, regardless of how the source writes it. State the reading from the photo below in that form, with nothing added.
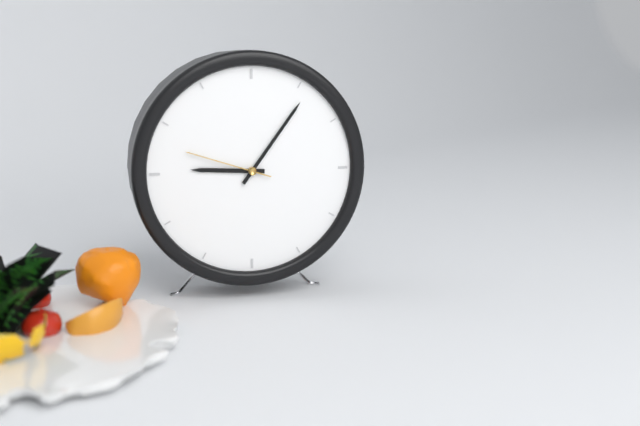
9h06m48s
